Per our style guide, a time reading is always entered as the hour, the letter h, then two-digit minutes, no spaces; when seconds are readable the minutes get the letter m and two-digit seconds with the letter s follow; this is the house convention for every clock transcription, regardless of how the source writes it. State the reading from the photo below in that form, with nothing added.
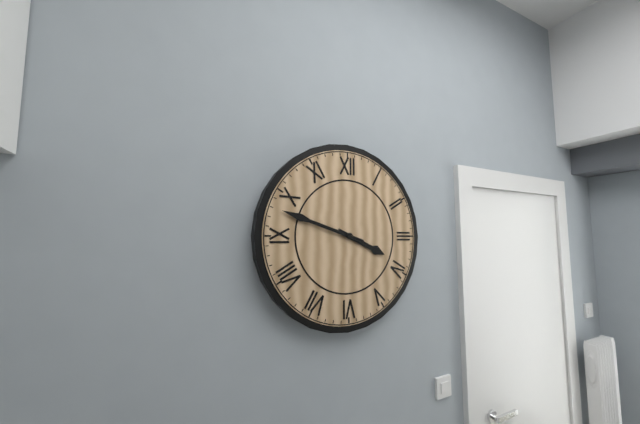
3h48
